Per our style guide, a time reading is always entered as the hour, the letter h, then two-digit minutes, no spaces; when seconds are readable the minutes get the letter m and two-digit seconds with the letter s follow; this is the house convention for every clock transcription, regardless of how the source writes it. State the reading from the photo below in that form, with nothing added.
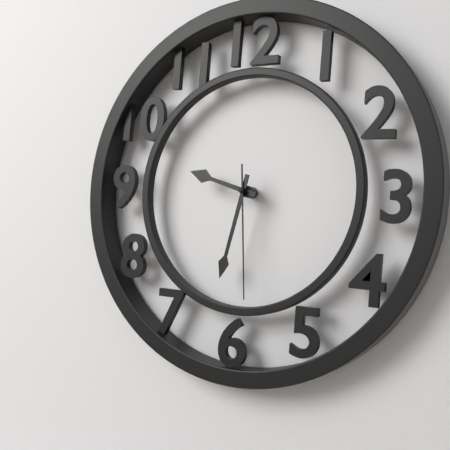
9h32m29s
